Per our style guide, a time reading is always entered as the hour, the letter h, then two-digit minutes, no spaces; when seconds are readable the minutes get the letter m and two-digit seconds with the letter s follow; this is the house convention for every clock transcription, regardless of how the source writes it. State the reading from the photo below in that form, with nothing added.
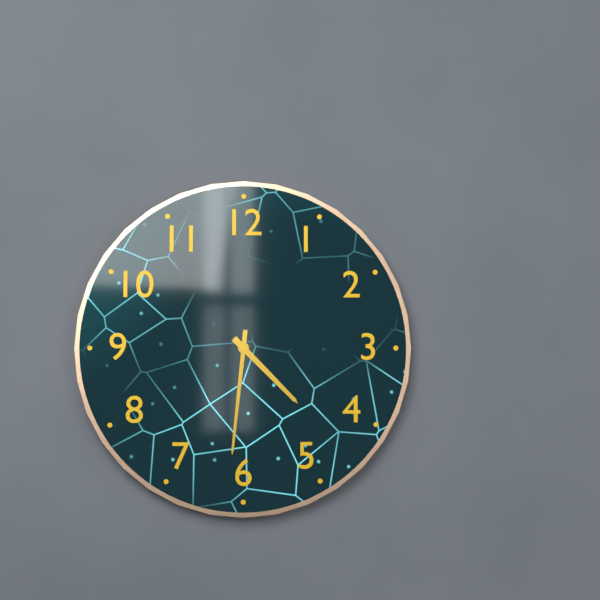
4h31
